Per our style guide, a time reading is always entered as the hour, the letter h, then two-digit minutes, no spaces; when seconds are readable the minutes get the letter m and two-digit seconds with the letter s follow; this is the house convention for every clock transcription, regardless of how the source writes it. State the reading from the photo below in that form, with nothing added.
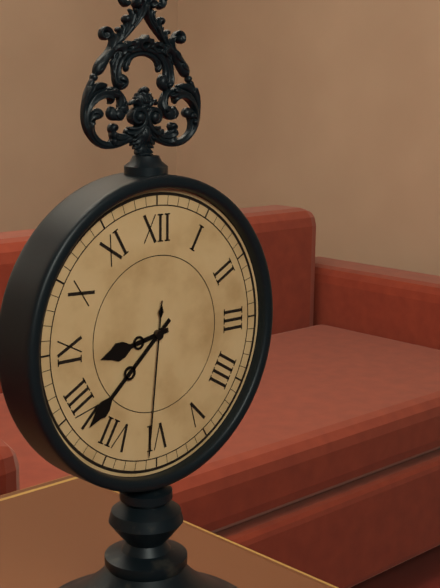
8h38m31s
